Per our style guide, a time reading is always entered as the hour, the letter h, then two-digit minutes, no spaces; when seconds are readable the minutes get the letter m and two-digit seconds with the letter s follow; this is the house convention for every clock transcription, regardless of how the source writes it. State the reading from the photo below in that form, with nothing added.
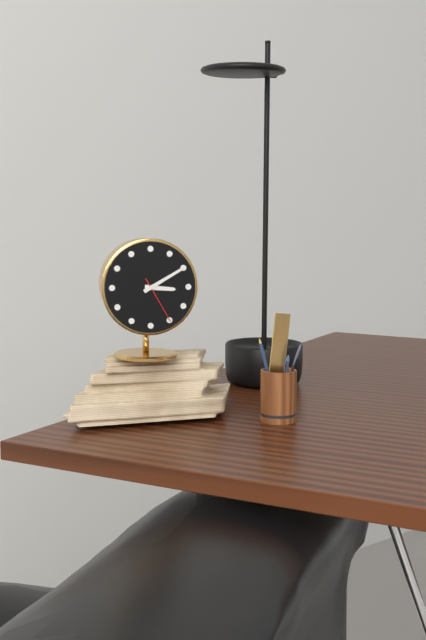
3h10m25s
